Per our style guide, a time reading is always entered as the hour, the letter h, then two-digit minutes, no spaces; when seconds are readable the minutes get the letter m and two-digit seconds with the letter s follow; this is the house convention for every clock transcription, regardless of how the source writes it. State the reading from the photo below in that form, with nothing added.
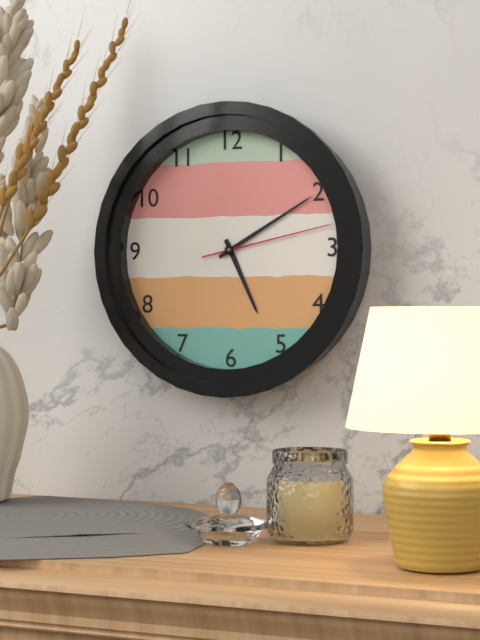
5h10m13s
